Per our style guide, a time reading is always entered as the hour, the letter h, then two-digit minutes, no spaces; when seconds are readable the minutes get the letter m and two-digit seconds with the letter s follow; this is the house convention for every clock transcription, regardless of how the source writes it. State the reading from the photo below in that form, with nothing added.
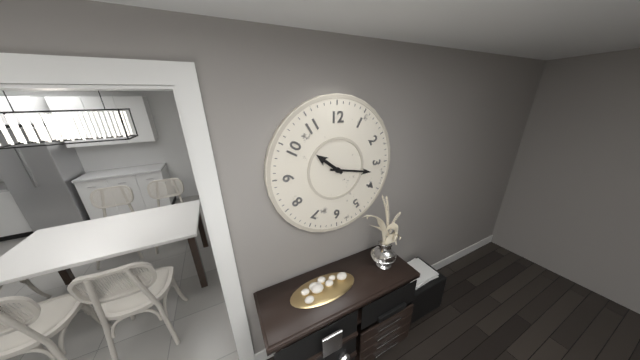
10h17
